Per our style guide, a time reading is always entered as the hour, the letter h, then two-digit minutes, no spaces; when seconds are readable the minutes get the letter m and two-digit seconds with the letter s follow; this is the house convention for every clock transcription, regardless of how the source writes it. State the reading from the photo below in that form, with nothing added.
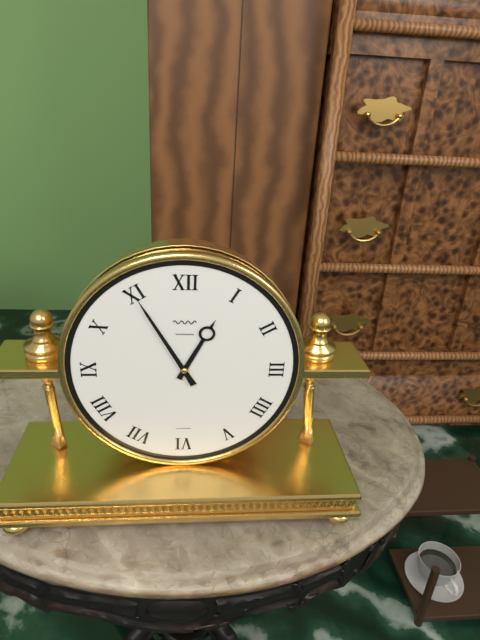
12h55
